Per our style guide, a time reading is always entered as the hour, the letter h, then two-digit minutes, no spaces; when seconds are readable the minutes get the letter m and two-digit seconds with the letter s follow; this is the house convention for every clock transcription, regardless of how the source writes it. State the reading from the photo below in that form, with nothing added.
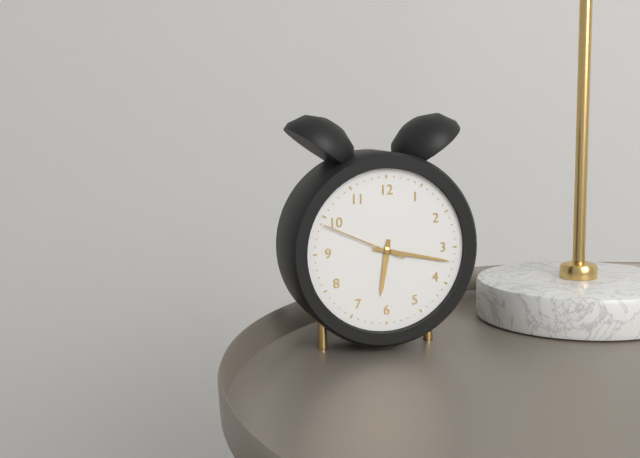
6h17m49s
